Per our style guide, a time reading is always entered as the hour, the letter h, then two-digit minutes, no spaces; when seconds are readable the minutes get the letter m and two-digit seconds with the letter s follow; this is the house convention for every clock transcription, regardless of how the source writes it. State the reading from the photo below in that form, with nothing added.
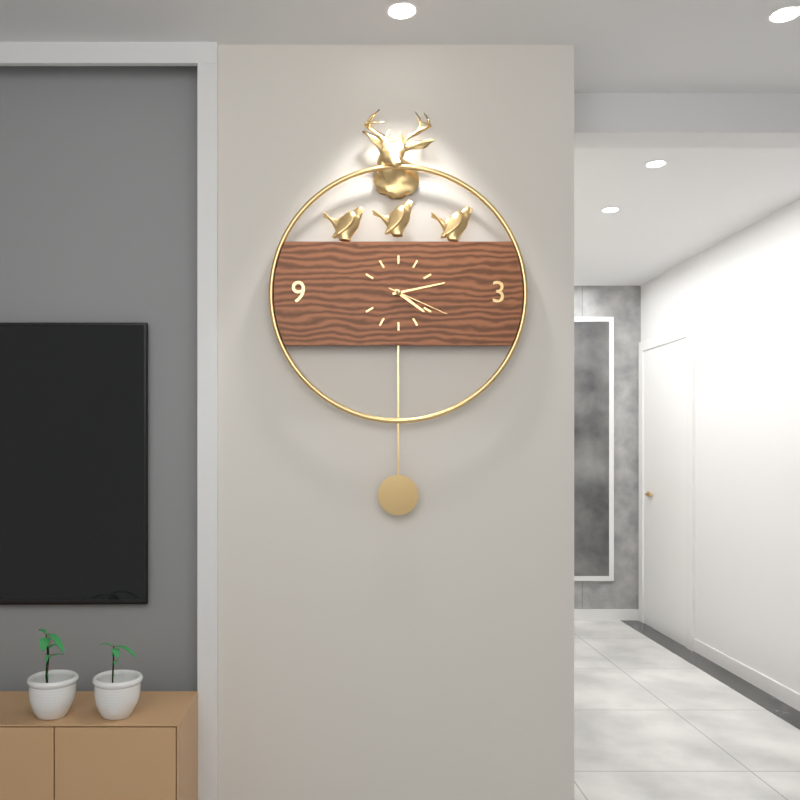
4h13m19s
